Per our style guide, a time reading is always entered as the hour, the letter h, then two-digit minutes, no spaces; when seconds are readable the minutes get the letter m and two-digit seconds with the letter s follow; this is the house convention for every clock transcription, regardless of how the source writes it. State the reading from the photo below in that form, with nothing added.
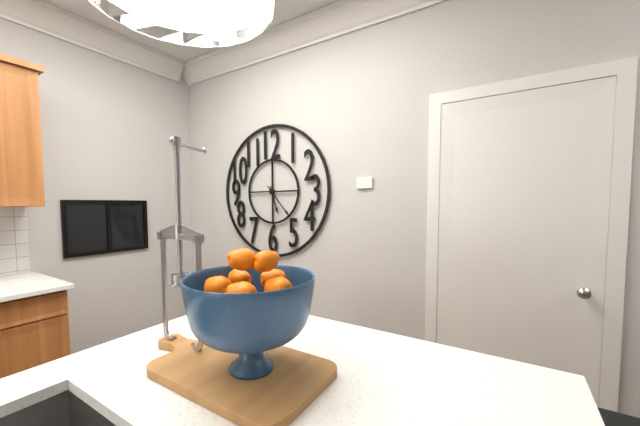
5h23
